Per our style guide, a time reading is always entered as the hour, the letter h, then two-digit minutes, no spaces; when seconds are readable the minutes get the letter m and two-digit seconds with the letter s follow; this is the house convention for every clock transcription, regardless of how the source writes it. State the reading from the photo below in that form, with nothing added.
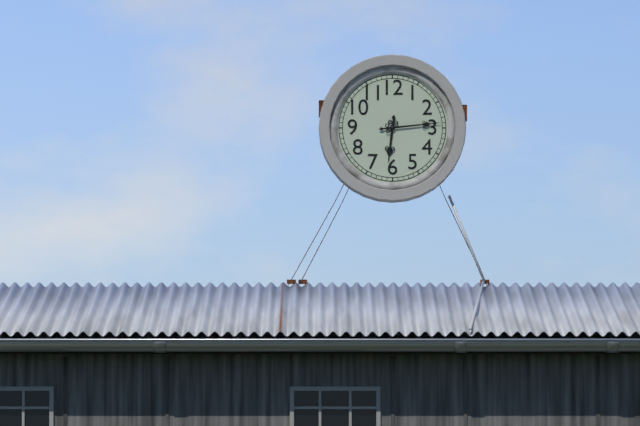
6h14
